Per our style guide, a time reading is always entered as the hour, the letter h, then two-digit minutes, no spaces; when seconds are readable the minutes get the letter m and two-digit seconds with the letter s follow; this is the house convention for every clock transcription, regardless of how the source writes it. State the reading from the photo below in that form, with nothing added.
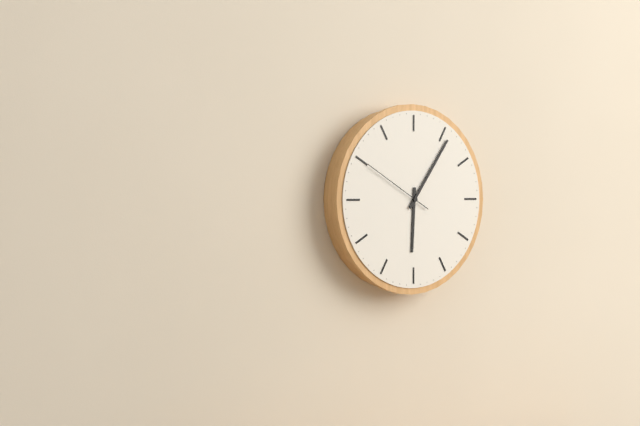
6h06m50s
